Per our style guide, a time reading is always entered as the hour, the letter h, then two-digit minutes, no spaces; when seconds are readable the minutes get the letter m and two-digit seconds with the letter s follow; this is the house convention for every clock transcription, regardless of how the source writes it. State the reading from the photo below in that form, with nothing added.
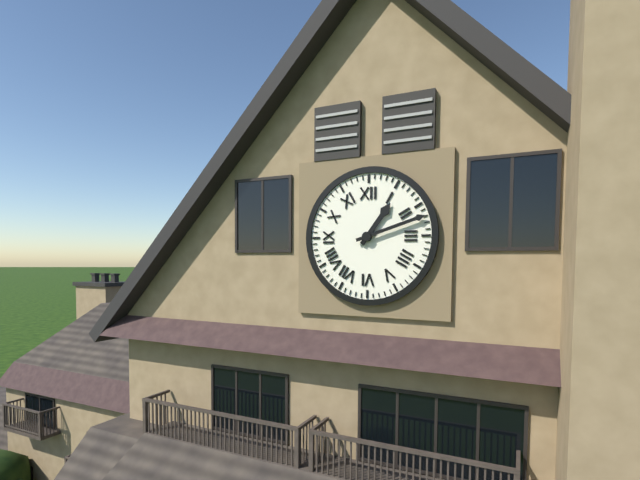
1h12
